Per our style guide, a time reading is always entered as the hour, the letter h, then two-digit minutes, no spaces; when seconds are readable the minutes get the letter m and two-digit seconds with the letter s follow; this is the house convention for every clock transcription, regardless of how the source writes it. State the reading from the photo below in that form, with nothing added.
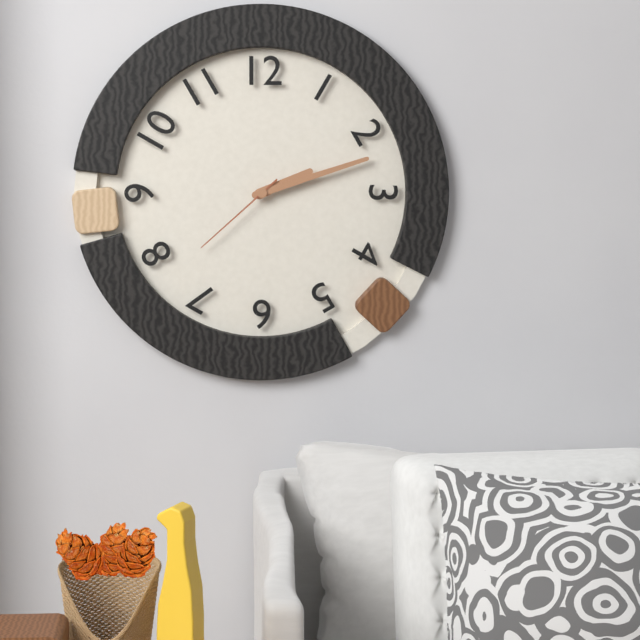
2h12m38s
